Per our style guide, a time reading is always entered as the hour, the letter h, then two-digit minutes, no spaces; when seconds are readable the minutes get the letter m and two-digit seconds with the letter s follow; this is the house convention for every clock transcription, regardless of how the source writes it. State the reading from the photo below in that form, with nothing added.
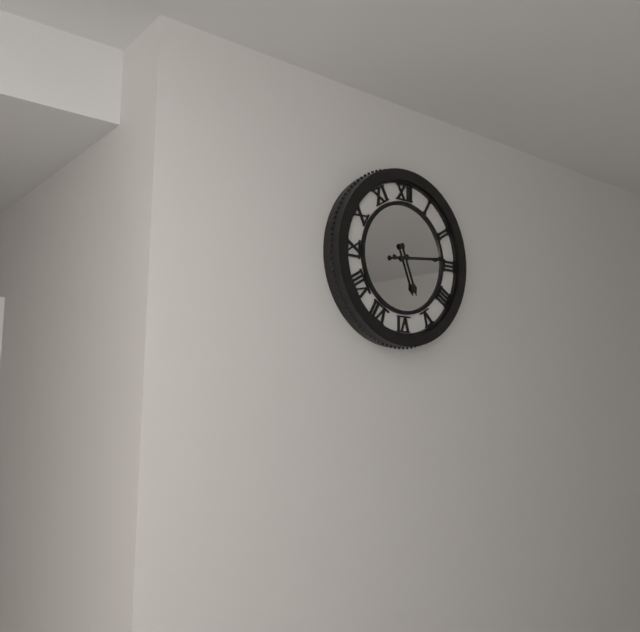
5h14
